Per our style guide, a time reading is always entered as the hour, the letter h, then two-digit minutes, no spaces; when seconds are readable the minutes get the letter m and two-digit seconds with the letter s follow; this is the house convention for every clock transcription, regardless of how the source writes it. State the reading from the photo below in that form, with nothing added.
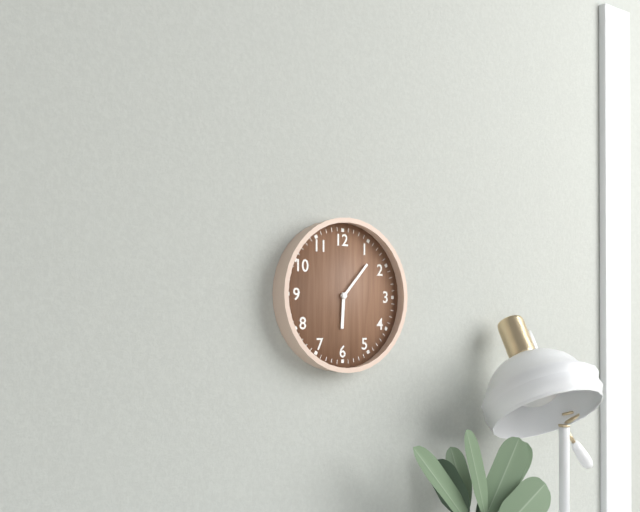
6h07
